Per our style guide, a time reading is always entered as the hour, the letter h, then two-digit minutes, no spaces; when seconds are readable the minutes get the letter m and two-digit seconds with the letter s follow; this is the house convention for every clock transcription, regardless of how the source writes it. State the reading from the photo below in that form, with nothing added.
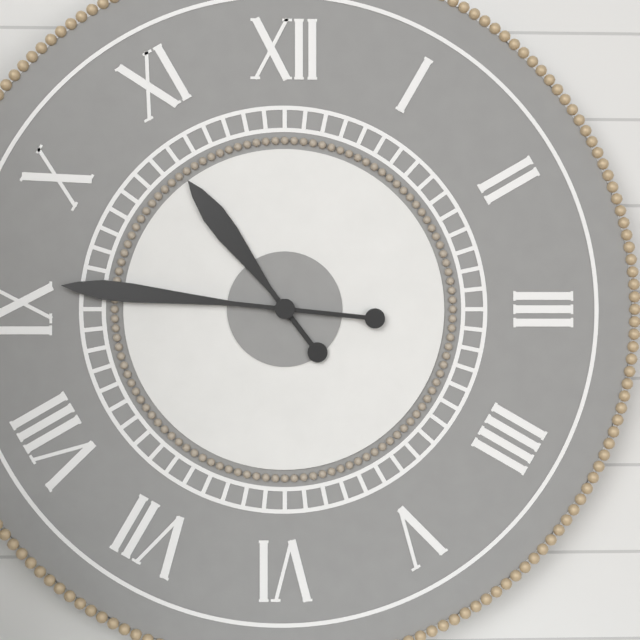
10h46
